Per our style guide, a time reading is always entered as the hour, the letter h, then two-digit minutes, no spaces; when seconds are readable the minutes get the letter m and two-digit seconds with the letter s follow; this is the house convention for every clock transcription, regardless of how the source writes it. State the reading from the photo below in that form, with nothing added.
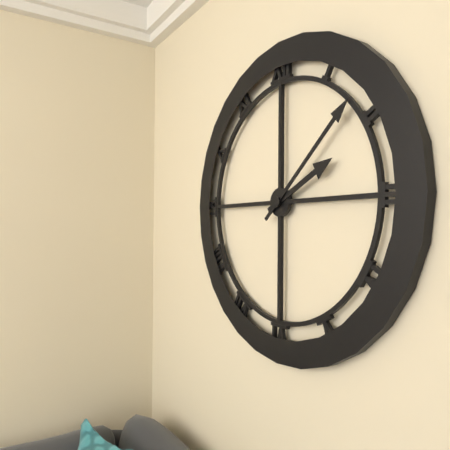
2h08
